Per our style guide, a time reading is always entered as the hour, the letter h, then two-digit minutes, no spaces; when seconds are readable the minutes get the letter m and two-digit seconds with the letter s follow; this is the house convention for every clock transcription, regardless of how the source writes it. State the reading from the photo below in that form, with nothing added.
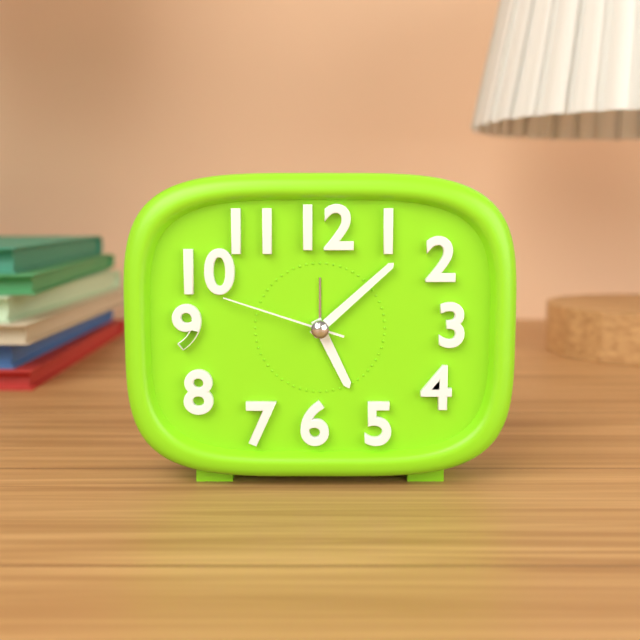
5h08m48s
